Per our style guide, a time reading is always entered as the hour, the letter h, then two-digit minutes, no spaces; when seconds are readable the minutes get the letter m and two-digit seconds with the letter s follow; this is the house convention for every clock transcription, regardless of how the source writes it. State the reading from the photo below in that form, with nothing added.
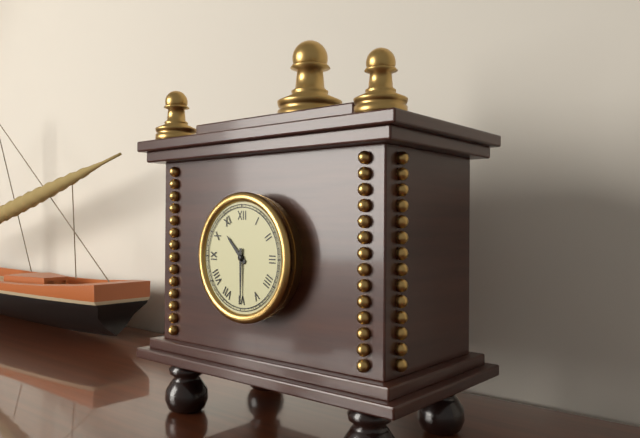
10h30
